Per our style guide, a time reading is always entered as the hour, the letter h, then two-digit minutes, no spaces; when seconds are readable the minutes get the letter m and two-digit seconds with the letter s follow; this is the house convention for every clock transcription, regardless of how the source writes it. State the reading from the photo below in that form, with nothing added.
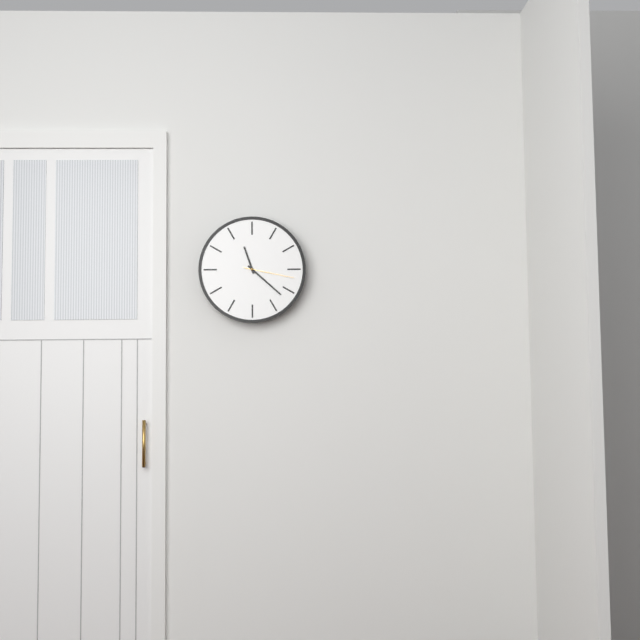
11h22m17s
